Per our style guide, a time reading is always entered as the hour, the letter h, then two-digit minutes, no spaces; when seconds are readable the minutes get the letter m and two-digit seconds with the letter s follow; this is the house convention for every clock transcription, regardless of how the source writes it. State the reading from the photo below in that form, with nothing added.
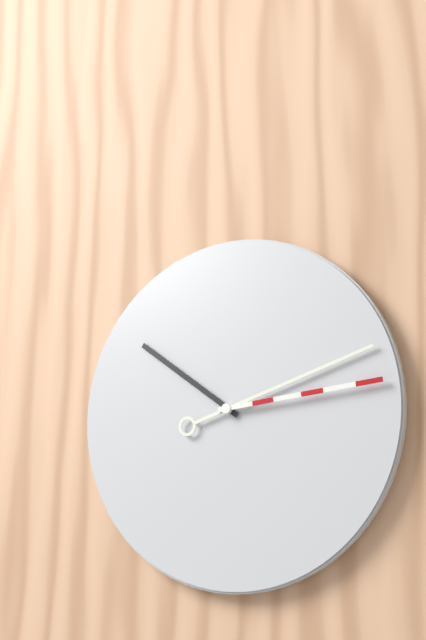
10h12m14s
